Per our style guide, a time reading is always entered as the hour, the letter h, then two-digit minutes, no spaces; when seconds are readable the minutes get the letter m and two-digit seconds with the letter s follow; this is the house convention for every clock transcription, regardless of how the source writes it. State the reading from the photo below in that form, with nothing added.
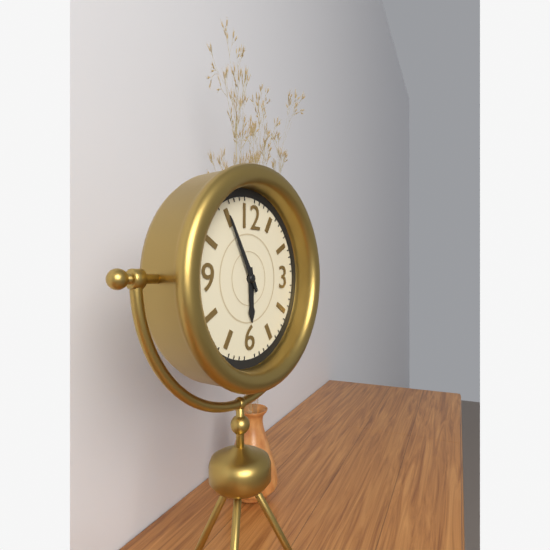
5h55
